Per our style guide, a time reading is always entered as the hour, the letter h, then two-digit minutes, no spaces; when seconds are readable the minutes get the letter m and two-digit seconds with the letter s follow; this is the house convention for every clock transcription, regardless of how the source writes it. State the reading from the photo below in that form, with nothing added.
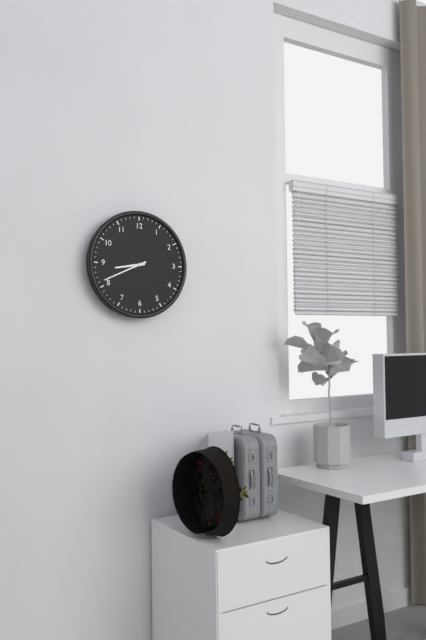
8h41
